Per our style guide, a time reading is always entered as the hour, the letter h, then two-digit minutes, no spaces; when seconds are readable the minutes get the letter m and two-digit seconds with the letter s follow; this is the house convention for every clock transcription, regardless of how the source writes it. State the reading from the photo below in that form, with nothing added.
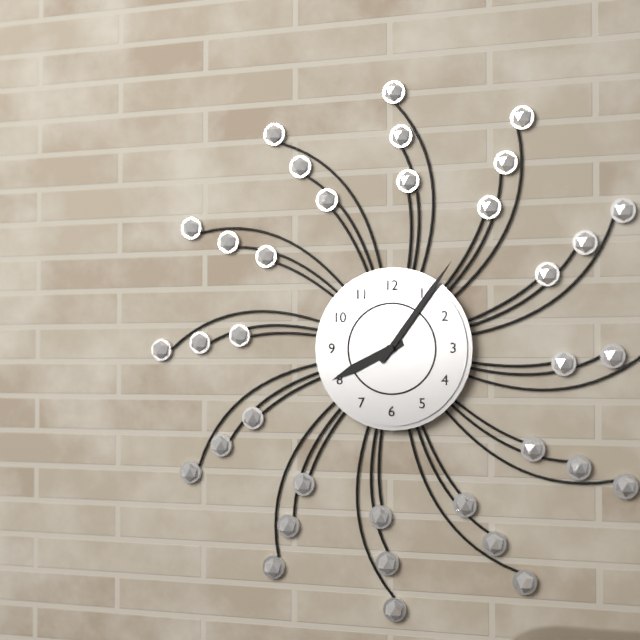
8h06
